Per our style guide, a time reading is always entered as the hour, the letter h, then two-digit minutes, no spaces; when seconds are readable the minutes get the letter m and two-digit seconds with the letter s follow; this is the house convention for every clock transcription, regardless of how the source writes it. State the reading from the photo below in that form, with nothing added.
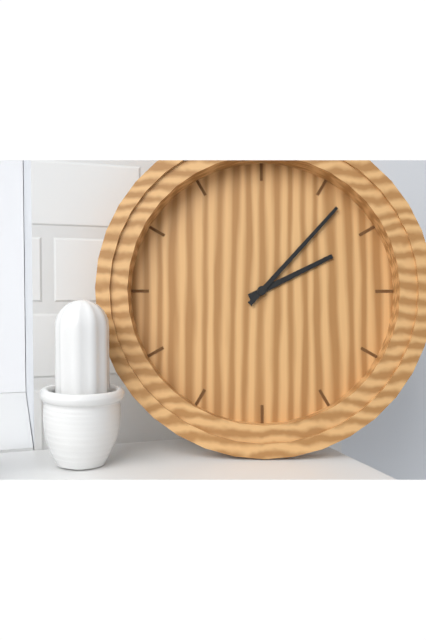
2h07
